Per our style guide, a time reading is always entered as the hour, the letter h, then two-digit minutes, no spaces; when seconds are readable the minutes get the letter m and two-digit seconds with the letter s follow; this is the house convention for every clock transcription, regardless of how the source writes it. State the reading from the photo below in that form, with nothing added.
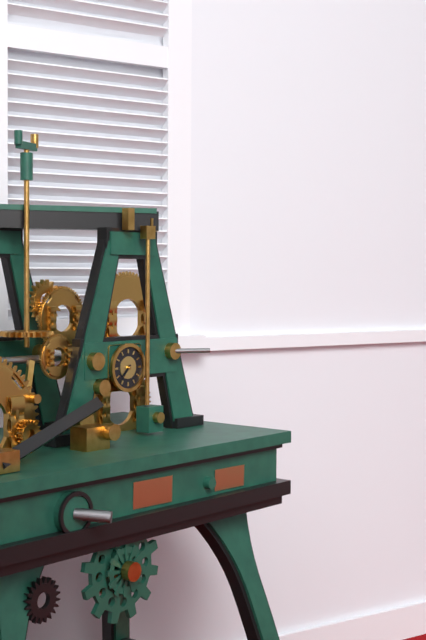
7h37
